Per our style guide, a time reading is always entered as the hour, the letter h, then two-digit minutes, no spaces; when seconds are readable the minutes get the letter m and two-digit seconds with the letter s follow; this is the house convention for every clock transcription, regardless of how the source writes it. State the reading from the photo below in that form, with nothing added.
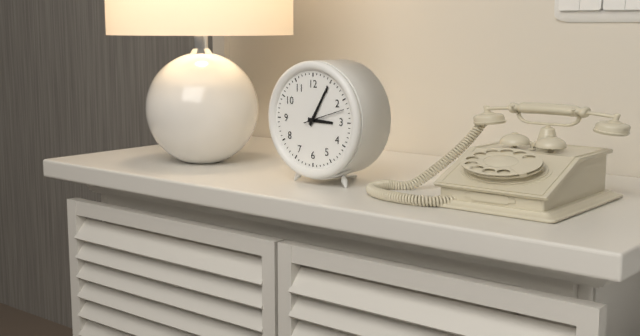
3h05
